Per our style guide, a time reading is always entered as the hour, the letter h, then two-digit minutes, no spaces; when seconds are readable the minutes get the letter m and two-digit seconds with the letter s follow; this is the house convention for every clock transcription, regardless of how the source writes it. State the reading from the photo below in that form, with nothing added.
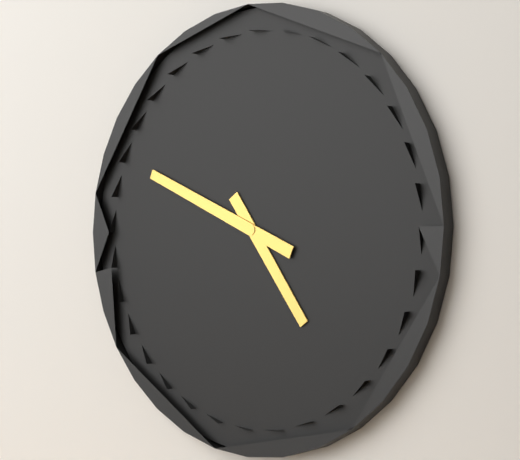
4h49
